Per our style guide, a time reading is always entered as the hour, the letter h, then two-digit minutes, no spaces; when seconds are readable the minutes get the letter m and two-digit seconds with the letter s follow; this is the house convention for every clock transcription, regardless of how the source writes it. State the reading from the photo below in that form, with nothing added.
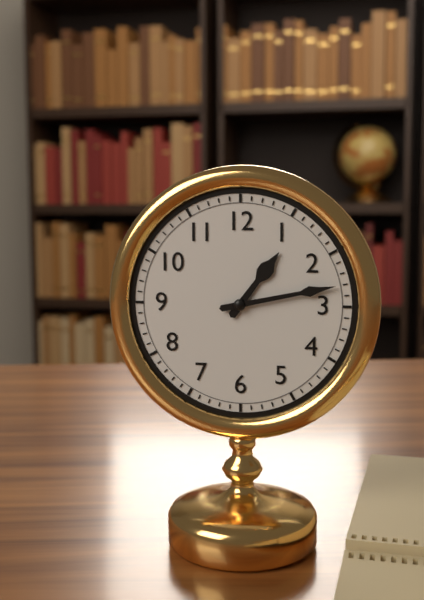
1h13
